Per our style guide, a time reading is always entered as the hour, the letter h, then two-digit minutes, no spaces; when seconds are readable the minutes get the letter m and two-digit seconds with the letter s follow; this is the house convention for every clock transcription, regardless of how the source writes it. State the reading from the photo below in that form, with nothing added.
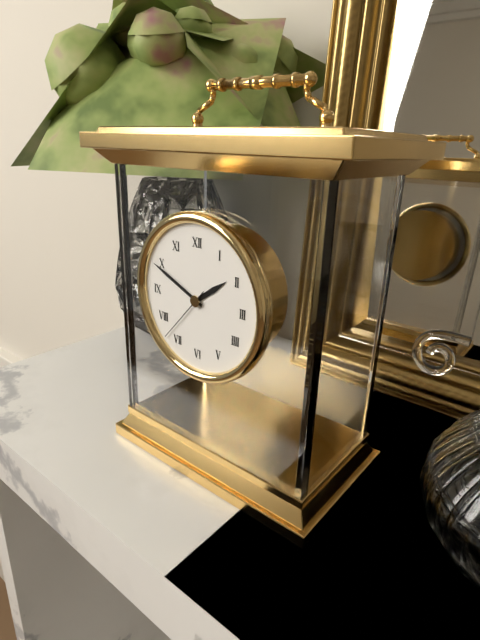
1h49m37s
